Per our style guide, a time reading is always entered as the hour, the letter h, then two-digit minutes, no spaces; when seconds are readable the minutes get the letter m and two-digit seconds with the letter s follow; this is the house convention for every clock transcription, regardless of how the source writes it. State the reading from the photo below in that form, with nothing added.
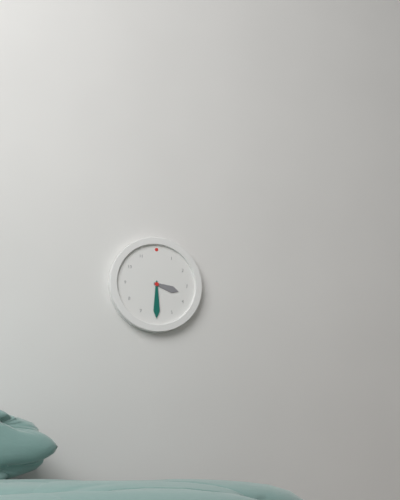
3h30
